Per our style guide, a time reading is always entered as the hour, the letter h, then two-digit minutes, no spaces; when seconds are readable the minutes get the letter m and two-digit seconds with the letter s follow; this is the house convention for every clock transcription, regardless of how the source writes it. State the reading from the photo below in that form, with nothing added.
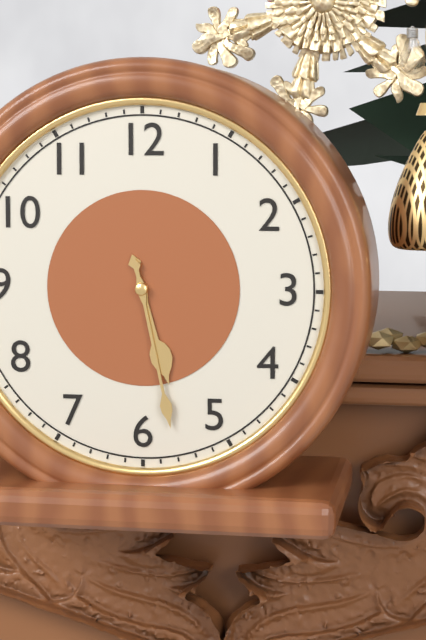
5h28
